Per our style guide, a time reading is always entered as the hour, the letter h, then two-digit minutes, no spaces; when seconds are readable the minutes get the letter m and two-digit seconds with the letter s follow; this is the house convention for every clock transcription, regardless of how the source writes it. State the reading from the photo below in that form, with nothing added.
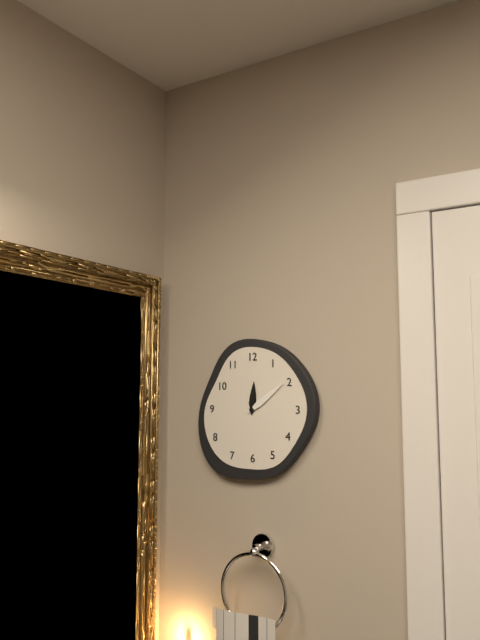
12h09
